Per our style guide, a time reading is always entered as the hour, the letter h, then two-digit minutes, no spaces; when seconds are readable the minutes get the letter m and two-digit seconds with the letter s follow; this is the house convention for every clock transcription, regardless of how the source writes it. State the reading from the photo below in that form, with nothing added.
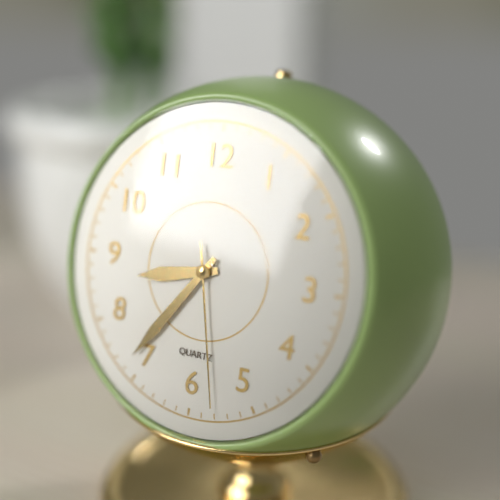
8h36m28s
